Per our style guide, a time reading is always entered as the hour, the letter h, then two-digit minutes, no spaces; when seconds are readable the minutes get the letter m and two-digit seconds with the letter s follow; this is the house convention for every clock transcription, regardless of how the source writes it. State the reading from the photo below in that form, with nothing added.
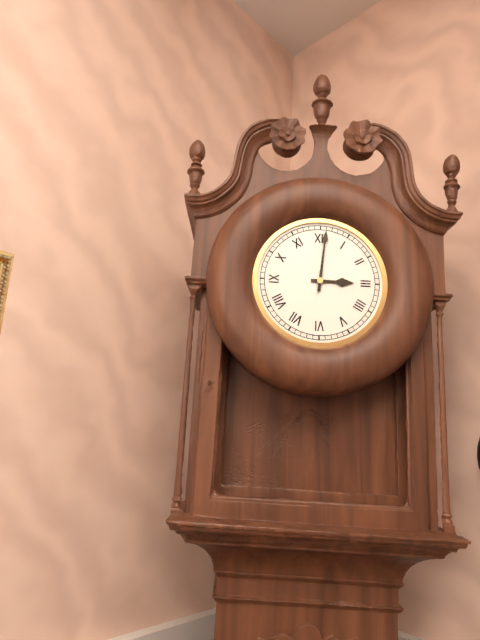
3h01
